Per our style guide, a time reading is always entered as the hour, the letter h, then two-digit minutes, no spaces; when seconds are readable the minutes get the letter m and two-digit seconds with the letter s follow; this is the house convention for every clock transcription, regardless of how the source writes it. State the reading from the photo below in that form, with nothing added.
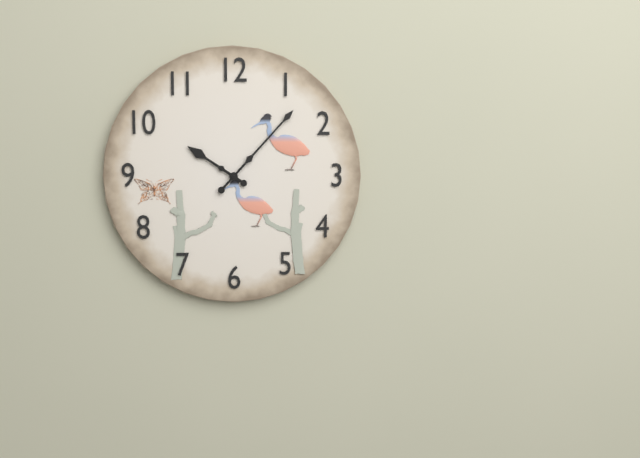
10h07
